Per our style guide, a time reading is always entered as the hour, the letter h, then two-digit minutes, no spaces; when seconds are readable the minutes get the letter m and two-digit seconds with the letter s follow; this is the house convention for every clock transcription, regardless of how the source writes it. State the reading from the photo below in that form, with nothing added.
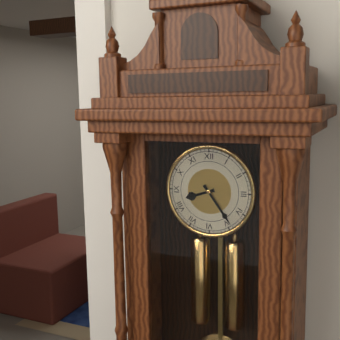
8h24
